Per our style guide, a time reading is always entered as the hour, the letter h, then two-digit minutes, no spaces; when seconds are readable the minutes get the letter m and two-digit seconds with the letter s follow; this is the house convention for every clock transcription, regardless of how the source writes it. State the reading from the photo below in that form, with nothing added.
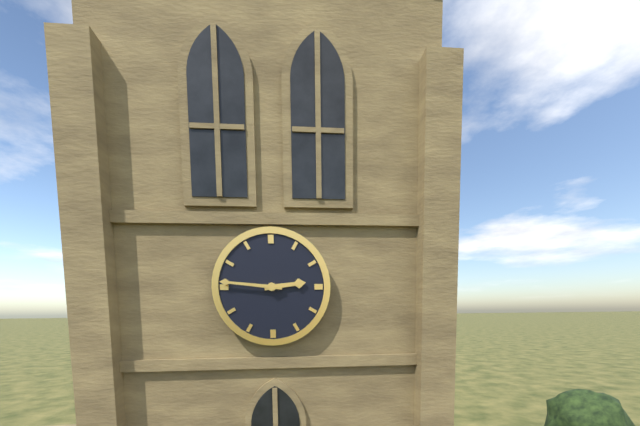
2h46
